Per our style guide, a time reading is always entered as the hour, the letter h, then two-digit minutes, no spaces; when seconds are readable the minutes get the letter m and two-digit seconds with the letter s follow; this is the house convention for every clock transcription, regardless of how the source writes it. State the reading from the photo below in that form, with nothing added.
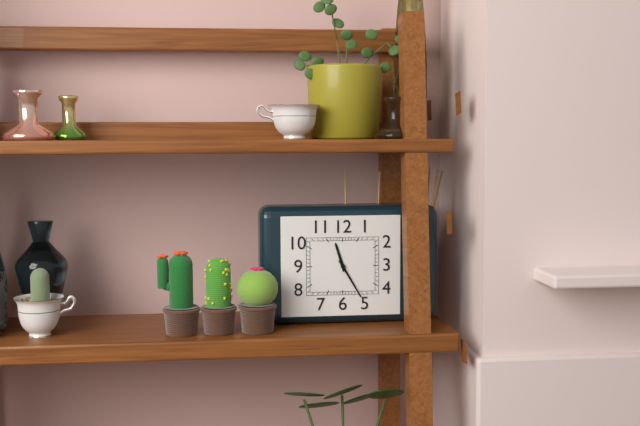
11h25
